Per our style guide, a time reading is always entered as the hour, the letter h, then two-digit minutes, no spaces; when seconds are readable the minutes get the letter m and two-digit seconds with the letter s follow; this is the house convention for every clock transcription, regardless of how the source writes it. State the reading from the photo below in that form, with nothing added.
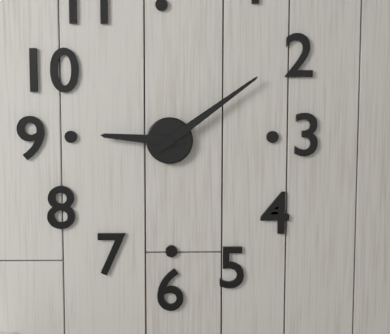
9h09
